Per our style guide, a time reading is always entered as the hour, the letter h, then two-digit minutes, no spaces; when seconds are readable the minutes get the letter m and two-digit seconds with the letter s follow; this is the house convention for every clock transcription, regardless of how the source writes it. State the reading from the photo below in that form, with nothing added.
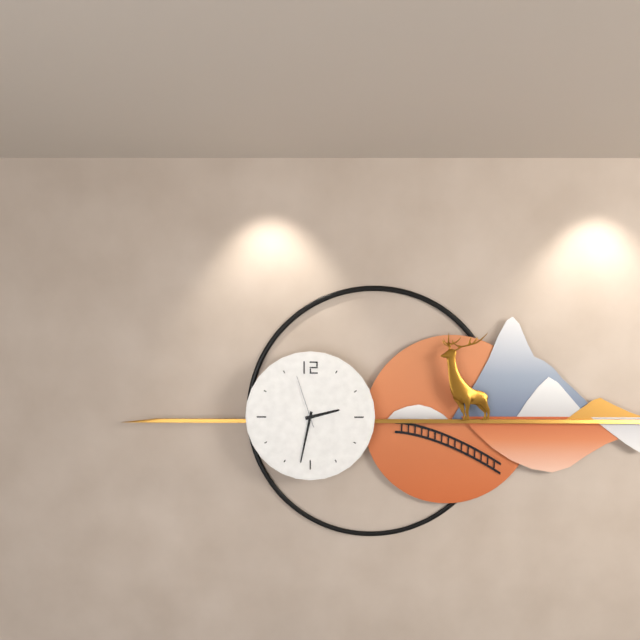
2h32m57s
